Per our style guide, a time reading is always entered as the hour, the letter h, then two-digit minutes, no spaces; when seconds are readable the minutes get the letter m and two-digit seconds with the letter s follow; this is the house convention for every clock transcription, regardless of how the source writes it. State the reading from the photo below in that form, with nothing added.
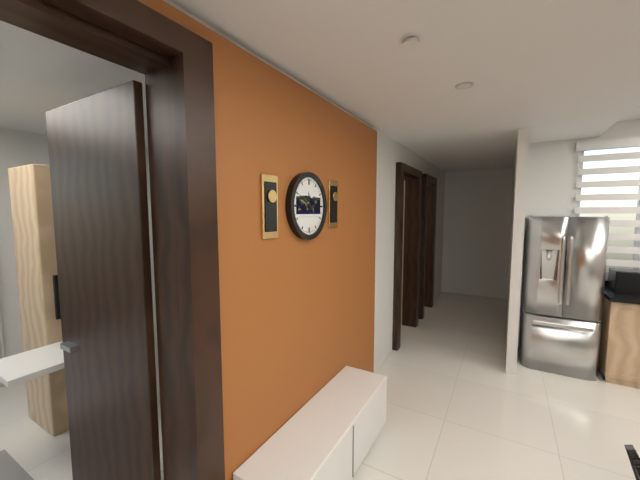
11h50
